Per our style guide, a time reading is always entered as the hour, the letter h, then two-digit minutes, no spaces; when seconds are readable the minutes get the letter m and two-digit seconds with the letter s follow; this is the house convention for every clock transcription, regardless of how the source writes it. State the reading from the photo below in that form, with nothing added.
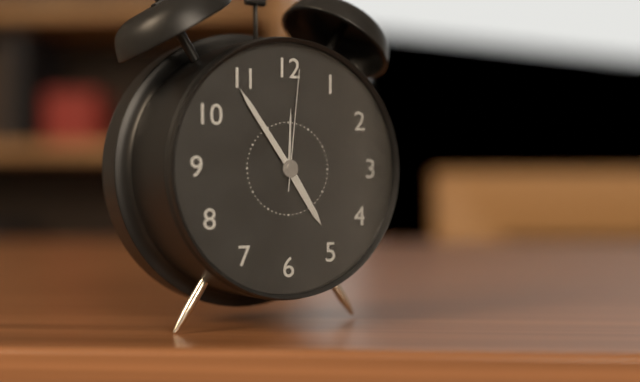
4h54m01s
